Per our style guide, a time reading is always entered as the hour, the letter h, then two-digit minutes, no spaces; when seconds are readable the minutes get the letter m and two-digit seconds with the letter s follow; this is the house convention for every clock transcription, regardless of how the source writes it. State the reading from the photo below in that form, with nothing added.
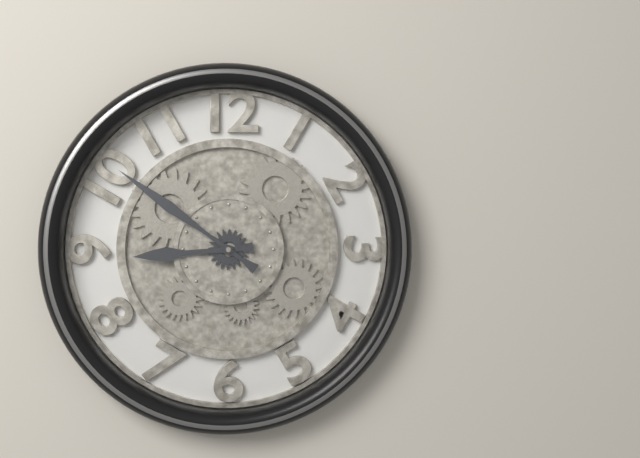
8h51
